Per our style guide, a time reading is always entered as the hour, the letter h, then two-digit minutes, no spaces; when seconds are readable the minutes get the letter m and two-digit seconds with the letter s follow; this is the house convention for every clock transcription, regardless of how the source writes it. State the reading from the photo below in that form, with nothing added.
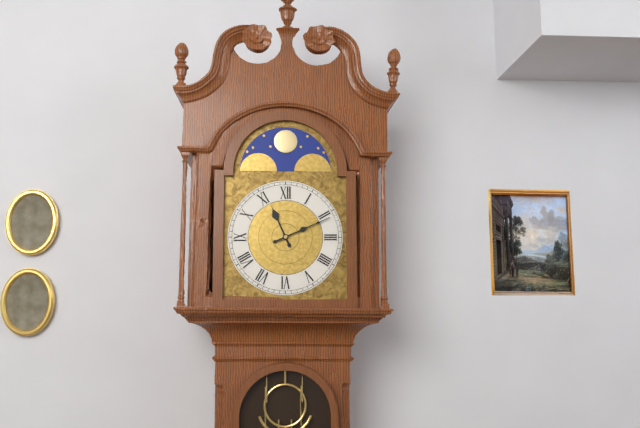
11h11
